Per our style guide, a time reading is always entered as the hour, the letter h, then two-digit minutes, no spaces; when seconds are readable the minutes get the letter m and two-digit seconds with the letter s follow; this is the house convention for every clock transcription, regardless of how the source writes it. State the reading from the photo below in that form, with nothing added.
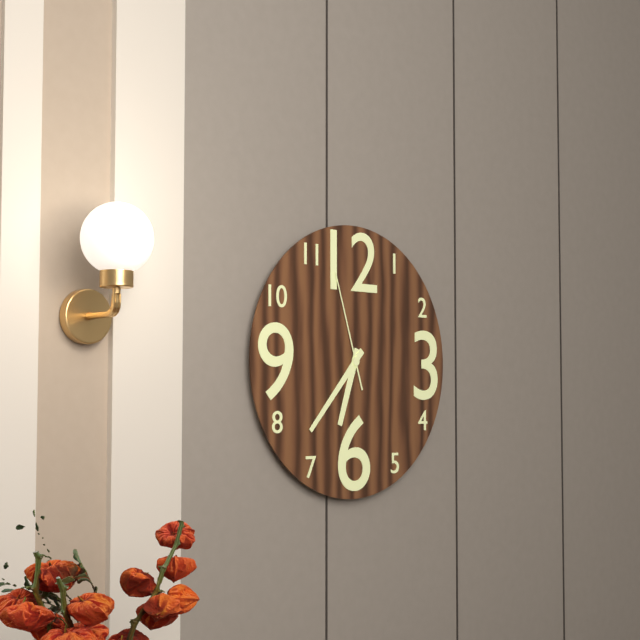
6h37m57s
